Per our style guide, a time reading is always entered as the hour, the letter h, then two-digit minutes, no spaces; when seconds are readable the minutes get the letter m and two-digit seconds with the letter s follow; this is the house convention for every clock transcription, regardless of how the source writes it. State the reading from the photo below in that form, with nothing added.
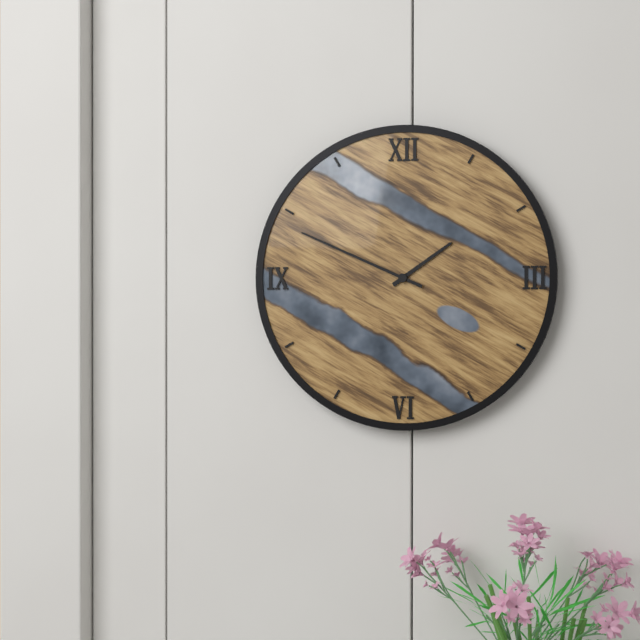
1h49
